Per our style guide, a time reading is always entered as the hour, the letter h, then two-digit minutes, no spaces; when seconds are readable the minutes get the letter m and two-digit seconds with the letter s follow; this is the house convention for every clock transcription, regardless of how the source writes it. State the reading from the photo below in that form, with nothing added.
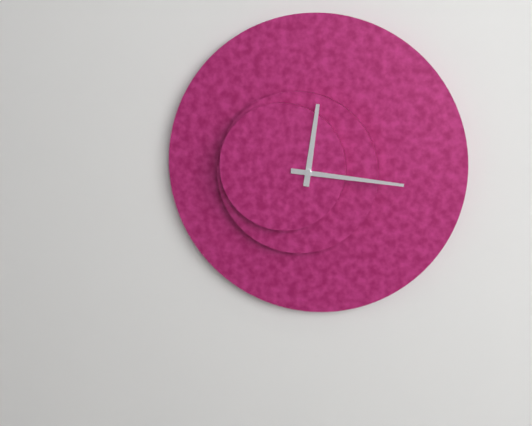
12h16
